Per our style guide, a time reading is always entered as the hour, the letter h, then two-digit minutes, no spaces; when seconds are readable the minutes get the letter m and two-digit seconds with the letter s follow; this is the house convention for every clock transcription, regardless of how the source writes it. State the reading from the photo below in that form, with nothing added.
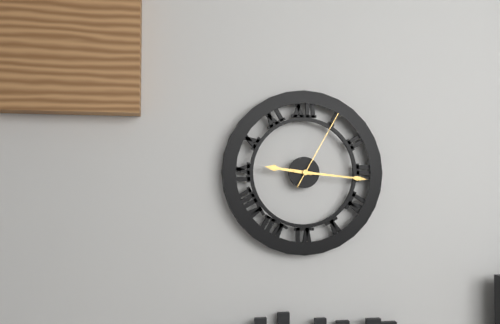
9h16m05s
